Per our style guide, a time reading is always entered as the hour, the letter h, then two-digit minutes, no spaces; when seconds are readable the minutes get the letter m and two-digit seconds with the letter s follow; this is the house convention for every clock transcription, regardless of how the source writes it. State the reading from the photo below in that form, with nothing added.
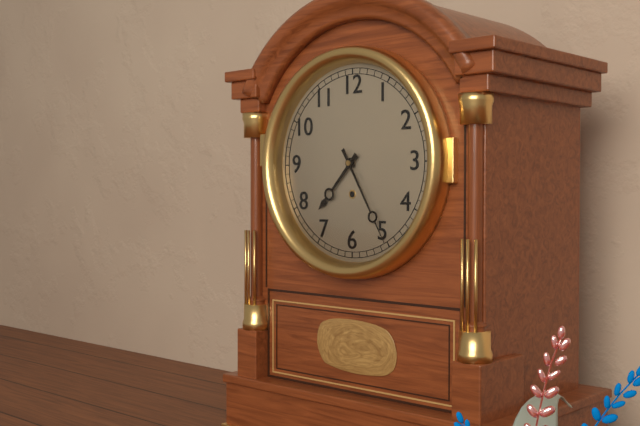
7h25
